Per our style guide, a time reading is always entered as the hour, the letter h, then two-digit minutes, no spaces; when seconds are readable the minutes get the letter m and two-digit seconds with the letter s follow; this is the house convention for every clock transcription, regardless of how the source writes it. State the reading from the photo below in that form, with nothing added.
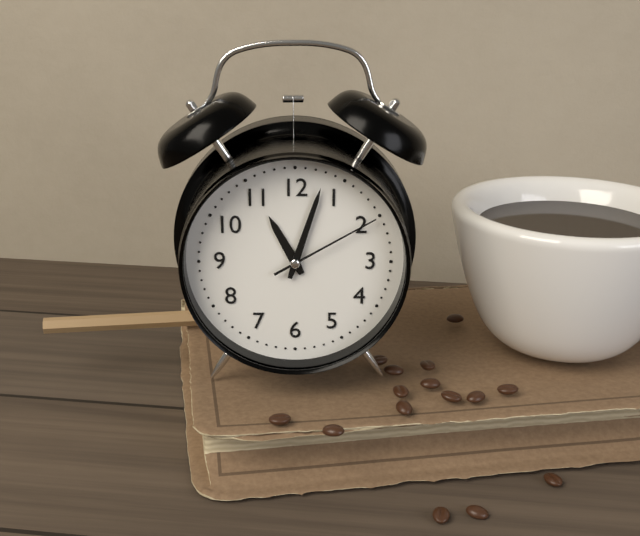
11h03m10s
